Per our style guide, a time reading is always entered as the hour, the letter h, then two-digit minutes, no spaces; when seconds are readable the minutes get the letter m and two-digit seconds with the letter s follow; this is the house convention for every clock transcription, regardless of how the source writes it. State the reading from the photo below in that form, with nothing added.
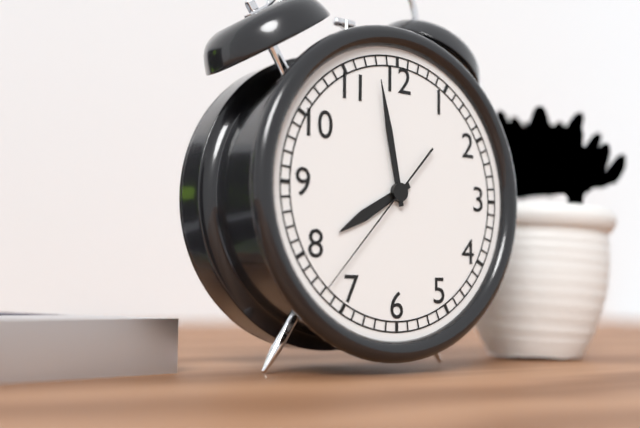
7h58m37s
